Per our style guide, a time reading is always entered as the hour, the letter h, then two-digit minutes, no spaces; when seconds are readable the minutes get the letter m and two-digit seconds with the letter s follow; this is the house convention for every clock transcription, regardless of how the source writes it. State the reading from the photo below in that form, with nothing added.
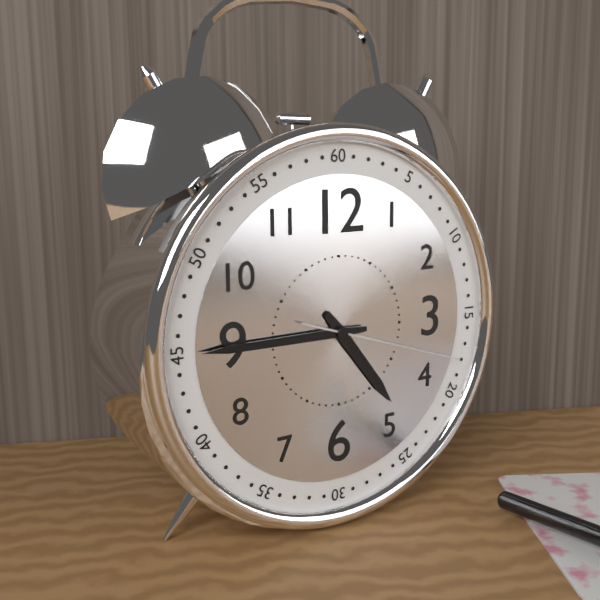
4h45m18s
